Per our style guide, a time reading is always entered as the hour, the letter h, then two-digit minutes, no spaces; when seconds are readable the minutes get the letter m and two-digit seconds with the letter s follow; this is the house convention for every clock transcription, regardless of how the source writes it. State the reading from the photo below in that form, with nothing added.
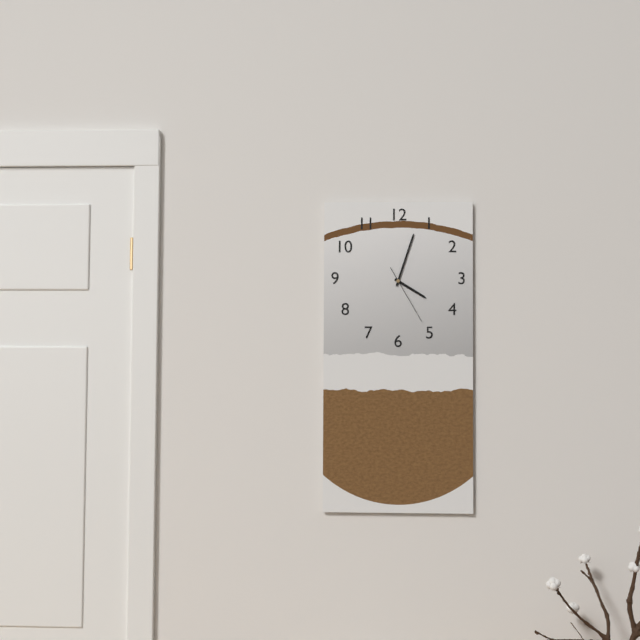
4h03m25s
